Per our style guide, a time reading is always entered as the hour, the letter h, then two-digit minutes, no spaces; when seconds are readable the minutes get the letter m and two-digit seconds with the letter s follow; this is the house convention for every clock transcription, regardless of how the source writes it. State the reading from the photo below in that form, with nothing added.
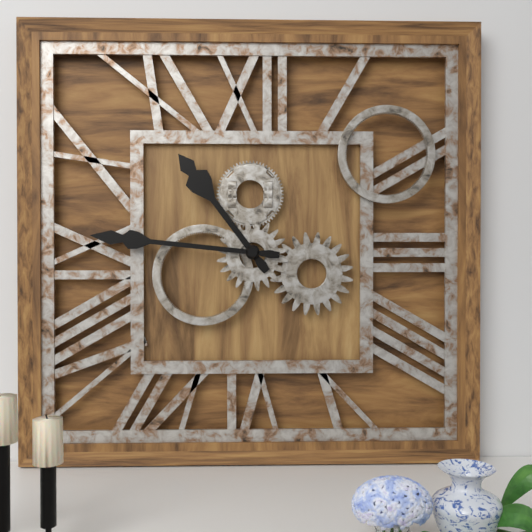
10h46
